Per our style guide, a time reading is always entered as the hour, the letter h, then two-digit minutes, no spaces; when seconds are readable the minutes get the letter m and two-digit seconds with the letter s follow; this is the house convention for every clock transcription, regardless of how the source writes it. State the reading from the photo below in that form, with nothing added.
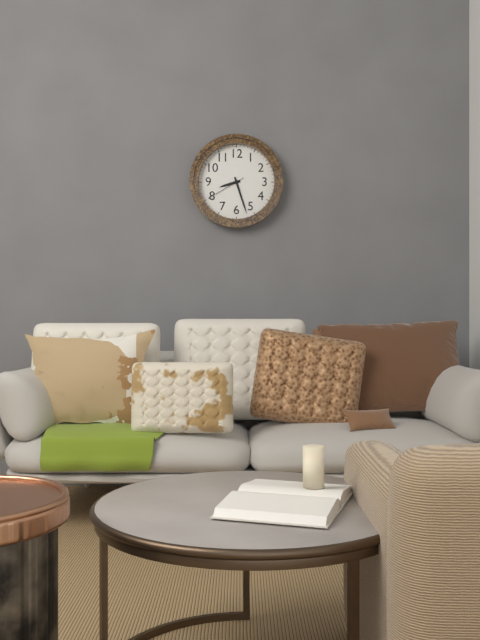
8h27
